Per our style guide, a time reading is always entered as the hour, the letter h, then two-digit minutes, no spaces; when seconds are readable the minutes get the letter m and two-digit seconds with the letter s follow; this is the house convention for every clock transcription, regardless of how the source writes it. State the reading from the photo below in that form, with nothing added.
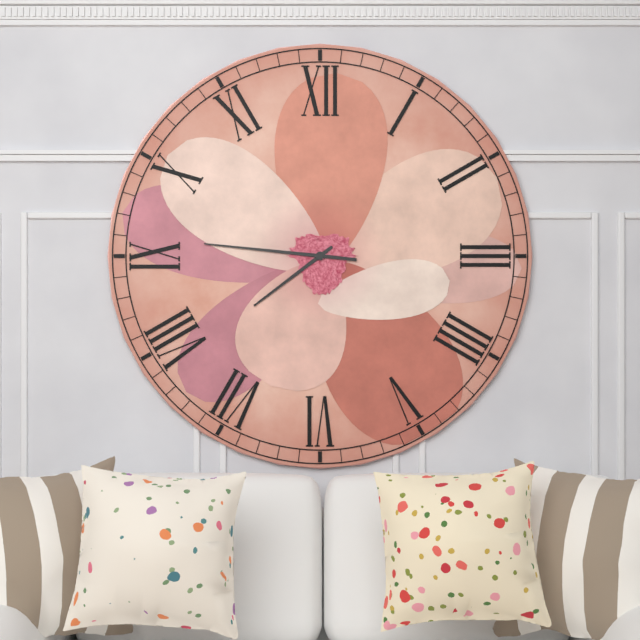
7h46
